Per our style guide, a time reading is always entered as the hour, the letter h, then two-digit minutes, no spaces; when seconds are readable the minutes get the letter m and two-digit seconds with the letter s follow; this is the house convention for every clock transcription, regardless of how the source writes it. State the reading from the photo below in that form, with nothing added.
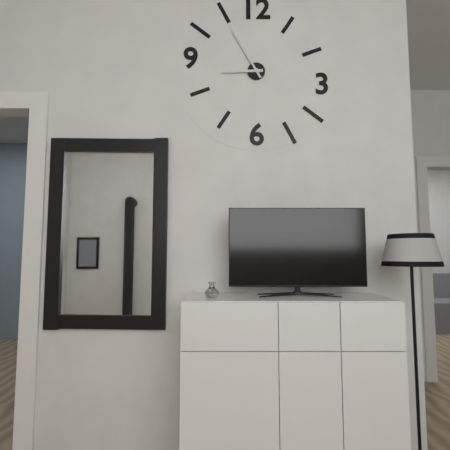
8h55
